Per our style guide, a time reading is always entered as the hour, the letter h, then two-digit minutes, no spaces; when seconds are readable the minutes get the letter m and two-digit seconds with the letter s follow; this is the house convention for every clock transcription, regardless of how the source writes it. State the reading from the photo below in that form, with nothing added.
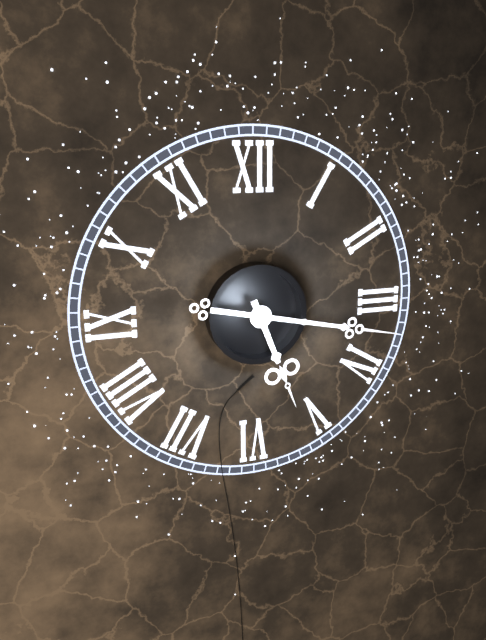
5h17
